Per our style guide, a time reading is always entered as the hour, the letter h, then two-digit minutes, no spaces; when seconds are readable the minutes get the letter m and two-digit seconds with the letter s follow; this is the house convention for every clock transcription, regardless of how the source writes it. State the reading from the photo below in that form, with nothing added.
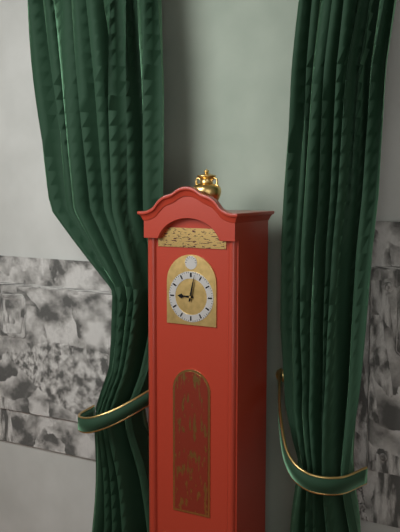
9h02
